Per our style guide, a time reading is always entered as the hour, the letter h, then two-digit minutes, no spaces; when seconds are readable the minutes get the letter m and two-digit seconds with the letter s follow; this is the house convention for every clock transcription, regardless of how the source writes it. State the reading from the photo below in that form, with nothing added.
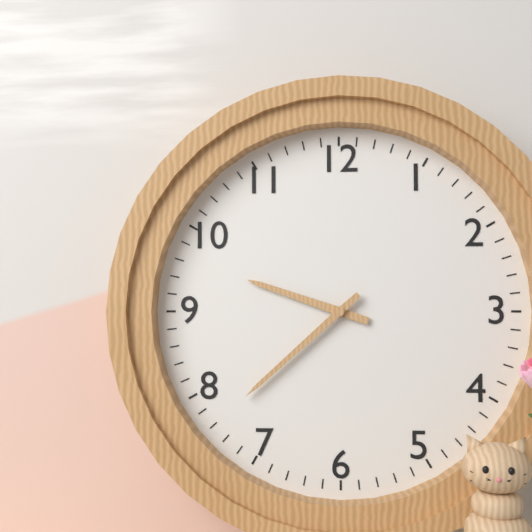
9h38
